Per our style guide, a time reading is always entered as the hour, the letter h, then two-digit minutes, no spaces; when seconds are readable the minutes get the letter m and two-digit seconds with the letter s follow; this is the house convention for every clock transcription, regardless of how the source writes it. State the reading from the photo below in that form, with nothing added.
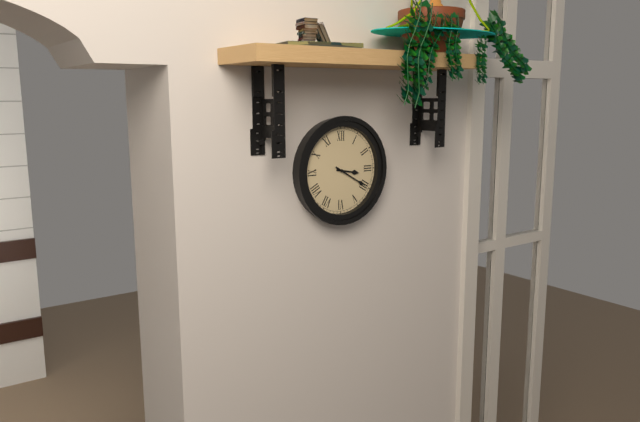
3h20
